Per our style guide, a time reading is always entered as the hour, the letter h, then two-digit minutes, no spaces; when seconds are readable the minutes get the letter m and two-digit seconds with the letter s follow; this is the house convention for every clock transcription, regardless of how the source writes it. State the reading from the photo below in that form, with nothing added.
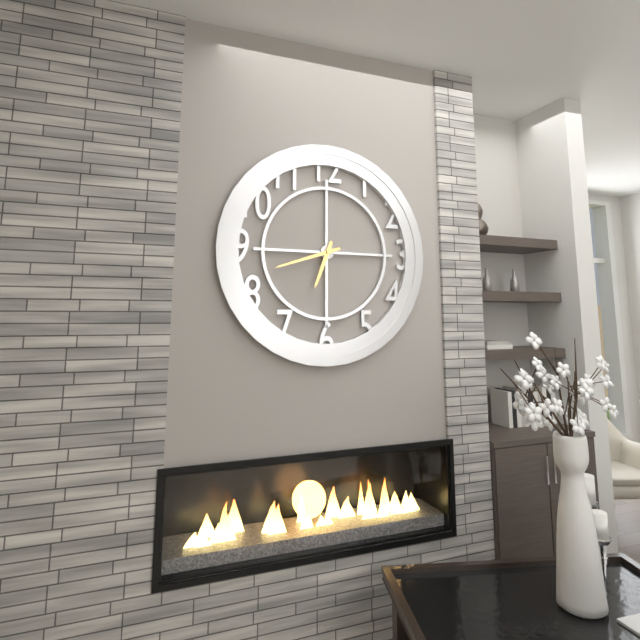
6h42
